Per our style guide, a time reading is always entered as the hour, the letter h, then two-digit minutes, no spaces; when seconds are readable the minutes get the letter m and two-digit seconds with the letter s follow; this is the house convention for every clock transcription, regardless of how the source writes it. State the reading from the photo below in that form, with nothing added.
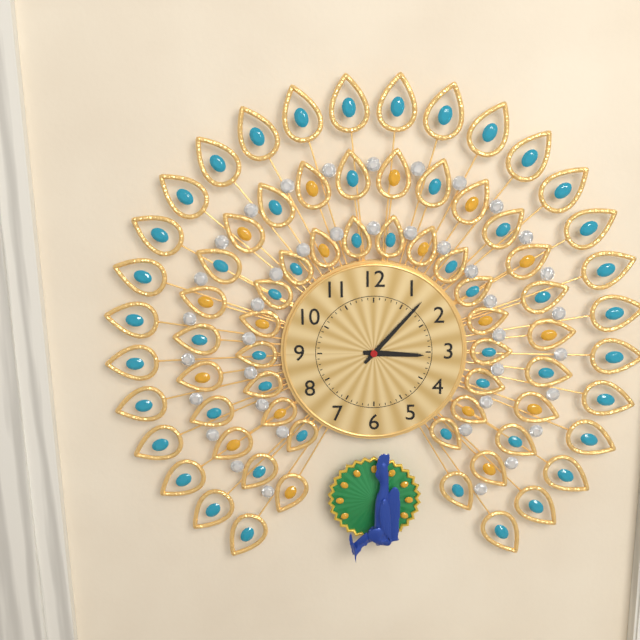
3h07
